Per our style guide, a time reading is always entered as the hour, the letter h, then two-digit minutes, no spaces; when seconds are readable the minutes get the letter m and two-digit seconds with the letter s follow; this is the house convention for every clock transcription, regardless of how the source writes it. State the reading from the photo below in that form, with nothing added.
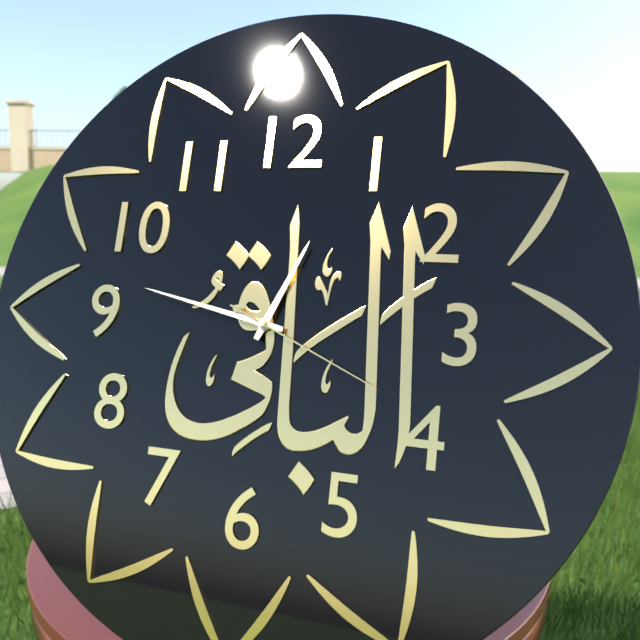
12h47m19s
